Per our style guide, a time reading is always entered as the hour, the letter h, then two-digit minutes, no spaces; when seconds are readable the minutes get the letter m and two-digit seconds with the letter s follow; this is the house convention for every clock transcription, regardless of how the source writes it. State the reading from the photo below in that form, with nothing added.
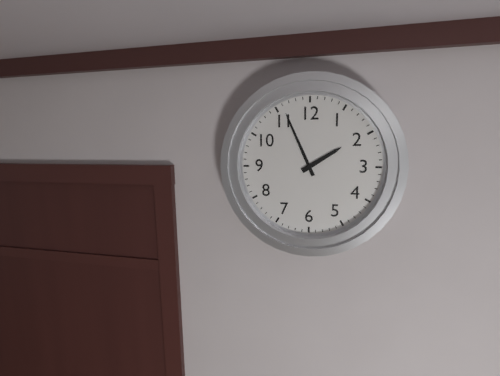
1h56
